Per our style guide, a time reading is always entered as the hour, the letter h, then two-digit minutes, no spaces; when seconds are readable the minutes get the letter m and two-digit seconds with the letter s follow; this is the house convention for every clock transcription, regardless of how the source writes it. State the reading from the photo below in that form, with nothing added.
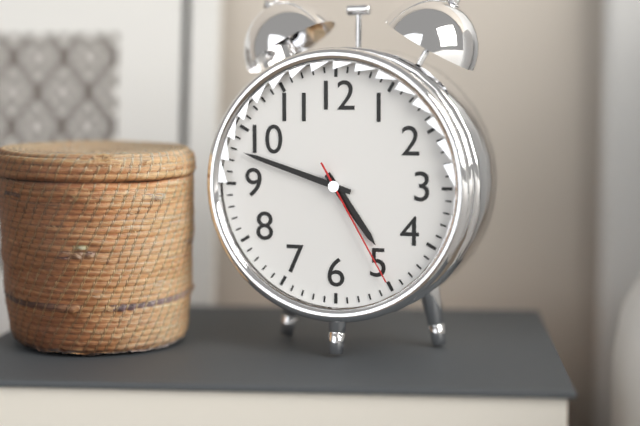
4h48m25s
